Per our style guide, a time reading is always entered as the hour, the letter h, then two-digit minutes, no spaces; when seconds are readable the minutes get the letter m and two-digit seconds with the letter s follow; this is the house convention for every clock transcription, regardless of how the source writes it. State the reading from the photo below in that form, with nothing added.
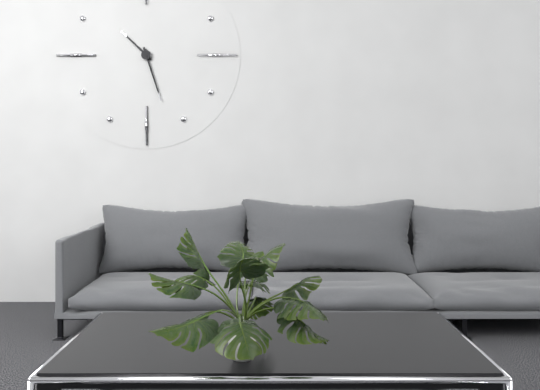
10h27
